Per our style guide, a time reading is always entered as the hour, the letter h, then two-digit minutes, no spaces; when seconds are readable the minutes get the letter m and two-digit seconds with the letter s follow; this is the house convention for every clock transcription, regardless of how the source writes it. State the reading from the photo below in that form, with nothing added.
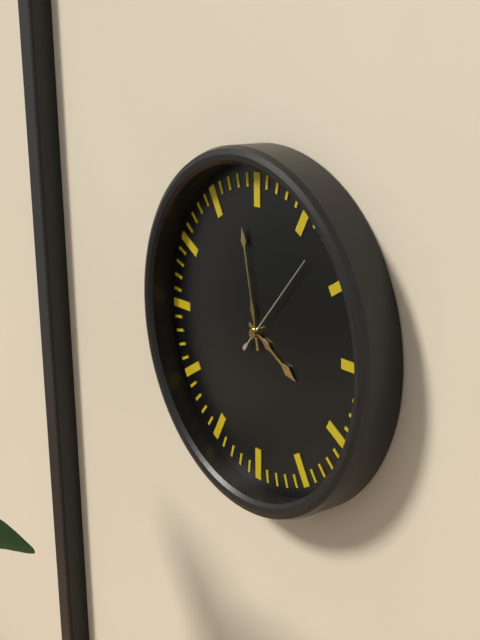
3h58m07s
